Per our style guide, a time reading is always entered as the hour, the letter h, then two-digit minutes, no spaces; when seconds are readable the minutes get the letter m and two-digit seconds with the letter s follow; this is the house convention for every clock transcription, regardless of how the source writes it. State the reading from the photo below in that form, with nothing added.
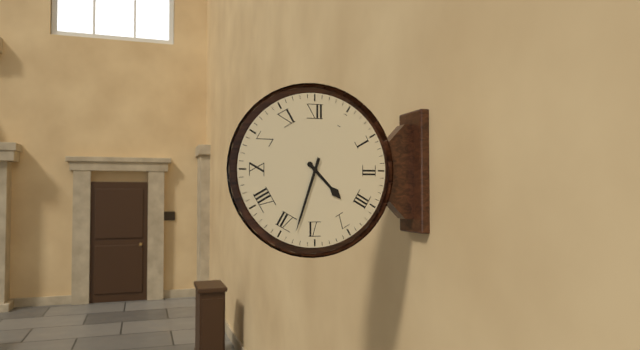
4h33
